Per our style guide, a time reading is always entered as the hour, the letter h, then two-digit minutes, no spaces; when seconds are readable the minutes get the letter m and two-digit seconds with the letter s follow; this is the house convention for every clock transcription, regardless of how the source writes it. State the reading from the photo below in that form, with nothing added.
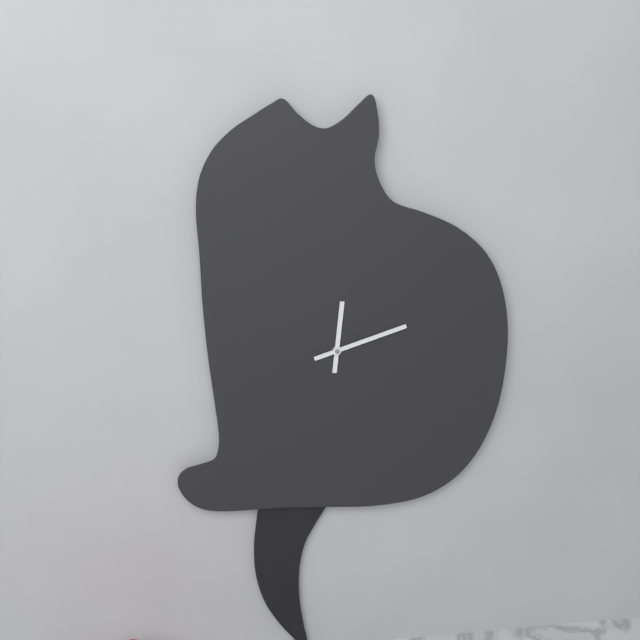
12h12
